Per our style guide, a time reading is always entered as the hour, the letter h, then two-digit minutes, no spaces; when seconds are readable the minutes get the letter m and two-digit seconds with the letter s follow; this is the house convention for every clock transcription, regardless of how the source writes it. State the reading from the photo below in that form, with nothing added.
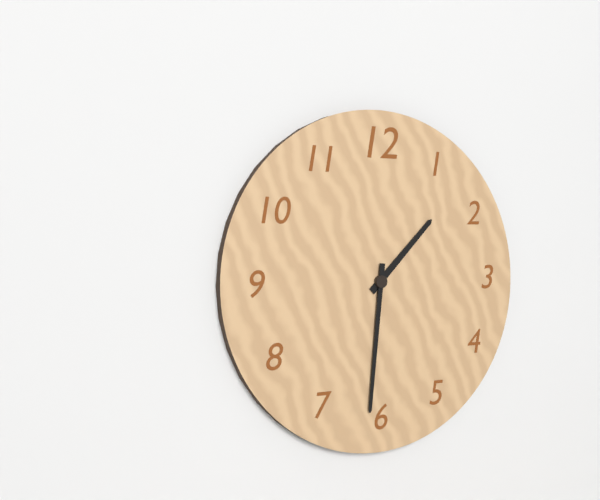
1h31
